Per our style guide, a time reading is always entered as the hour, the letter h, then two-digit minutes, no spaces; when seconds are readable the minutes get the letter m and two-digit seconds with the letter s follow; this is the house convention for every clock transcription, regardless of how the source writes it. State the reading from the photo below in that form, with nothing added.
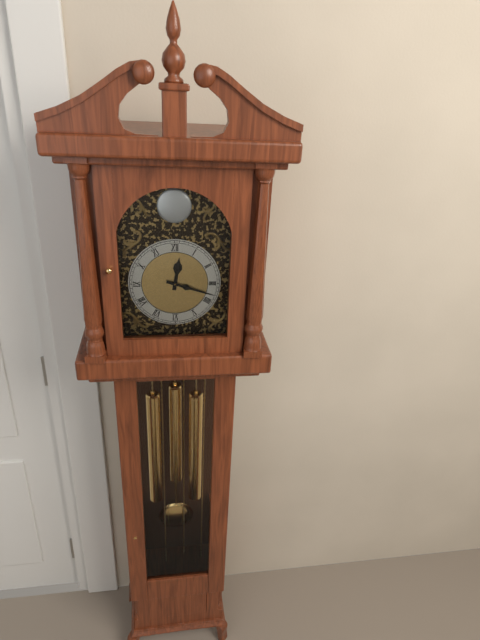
12h18
